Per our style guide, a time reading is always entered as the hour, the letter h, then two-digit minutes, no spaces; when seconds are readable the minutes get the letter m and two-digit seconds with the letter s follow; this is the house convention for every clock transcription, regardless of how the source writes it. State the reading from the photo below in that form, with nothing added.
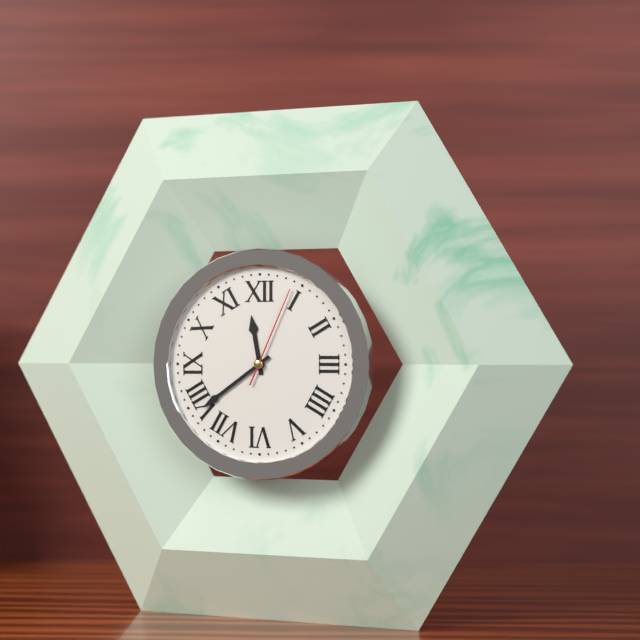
11h39m04s
